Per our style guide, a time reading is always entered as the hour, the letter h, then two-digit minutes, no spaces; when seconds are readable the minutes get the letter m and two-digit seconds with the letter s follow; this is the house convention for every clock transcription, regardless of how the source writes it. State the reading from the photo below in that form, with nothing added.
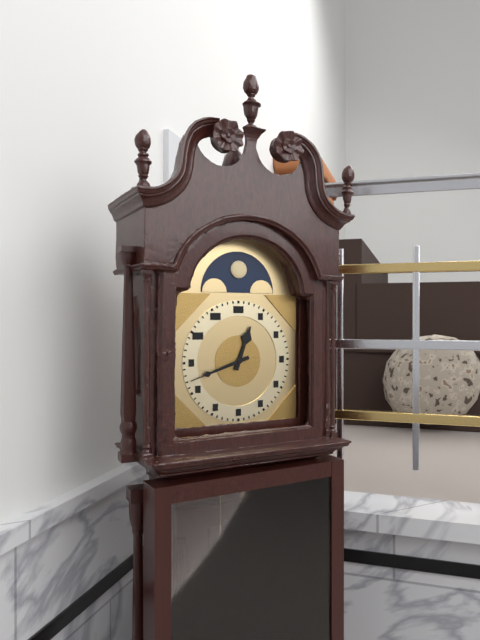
12h42
